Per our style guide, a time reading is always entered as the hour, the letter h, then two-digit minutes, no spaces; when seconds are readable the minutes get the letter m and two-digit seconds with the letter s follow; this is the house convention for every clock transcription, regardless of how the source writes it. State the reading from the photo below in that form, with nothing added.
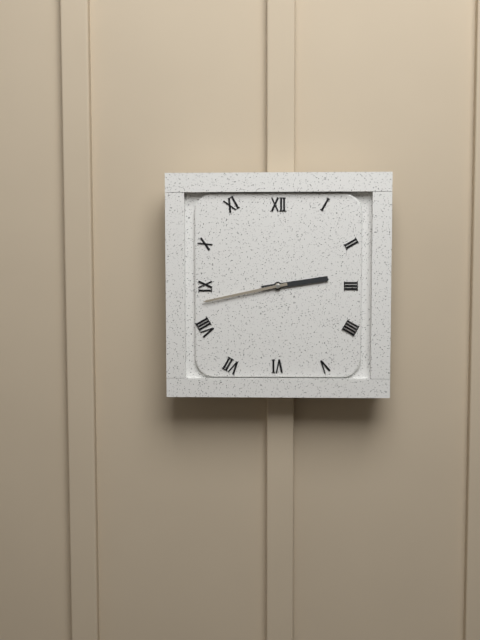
2h43
